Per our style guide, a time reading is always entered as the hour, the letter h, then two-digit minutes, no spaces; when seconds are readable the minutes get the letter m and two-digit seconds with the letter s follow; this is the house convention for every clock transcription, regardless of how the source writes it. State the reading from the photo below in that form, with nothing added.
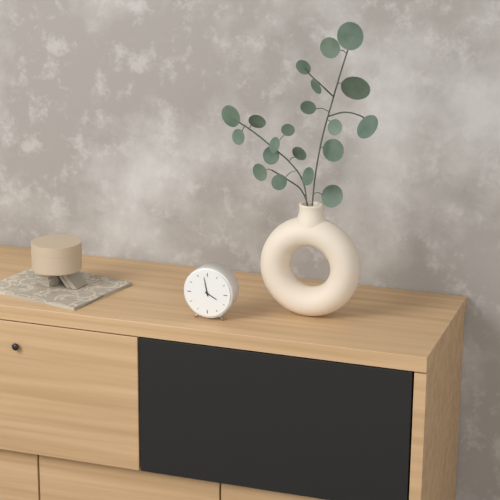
3h58
